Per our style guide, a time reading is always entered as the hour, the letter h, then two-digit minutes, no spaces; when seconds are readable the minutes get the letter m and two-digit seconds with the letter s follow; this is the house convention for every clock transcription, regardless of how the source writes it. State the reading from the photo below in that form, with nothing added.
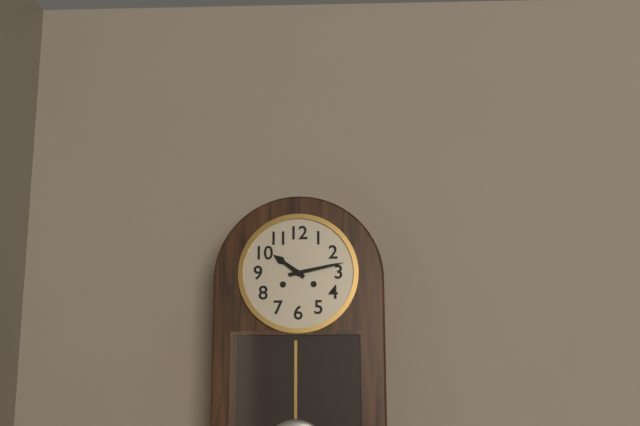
10h13
